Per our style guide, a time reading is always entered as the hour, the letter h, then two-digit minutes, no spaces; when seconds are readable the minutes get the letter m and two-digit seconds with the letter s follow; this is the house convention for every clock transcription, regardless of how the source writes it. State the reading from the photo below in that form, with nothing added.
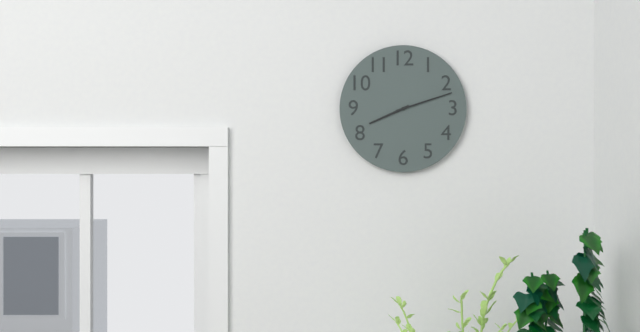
8h12
